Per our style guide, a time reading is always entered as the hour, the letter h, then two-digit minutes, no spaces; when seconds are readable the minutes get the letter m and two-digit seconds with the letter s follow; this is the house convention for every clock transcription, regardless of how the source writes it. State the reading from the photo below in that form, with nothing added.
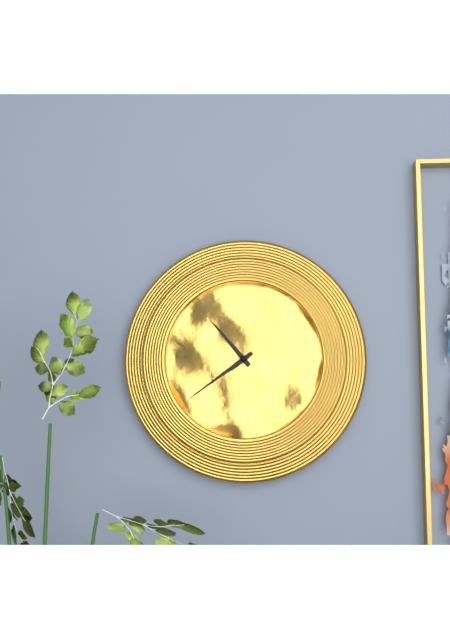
10h39
